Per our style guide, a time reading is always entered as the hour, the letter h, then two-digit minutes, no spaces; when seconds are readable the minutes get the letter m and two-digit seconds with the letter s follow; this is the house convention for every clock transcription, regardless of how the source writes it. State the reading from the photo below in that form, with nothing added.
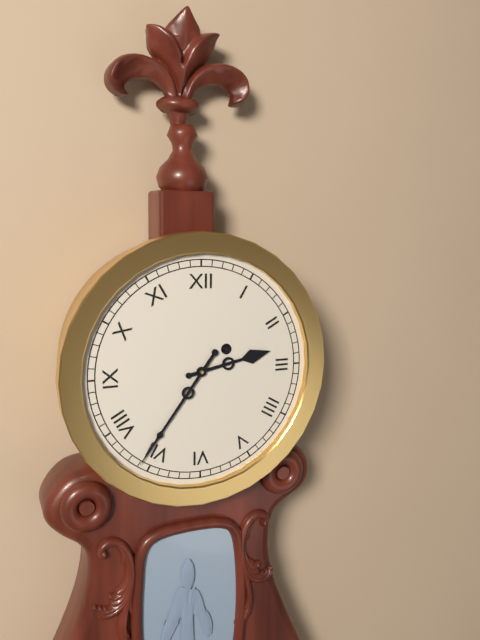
2h36
